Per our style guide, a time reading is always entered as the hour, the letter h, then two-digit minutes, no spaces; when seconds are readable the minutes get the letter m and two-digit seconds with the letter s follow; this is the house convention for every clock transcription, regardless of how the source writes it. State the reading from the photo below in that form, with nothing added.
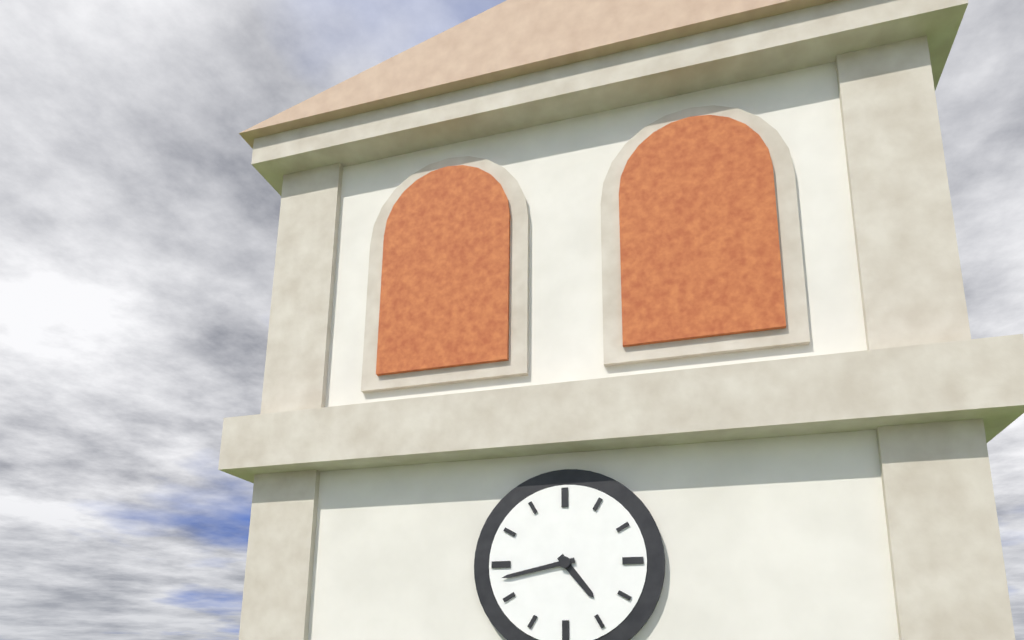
4h43
